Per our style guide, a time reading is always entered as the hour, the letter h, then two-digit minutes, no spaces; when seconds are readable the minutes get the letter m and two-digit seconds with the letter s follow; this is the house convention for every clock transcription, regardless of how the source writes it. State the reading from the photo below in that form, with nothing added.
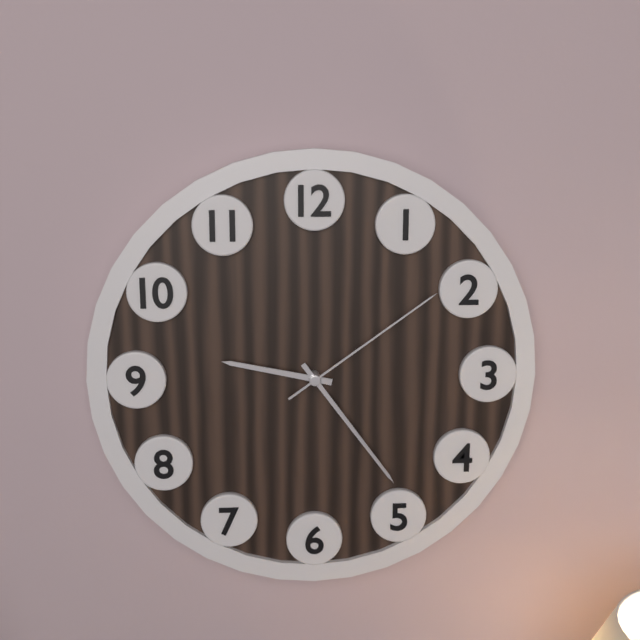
9h24m09s
